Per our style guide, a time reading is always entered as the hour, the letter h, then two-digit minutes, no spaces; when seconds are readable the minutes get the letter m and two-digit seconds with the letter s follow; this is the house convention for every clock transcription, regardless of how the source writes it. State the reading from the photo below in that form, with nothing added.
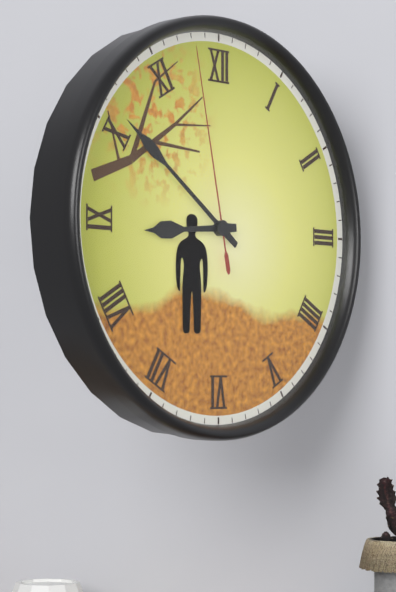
8h51m58s
